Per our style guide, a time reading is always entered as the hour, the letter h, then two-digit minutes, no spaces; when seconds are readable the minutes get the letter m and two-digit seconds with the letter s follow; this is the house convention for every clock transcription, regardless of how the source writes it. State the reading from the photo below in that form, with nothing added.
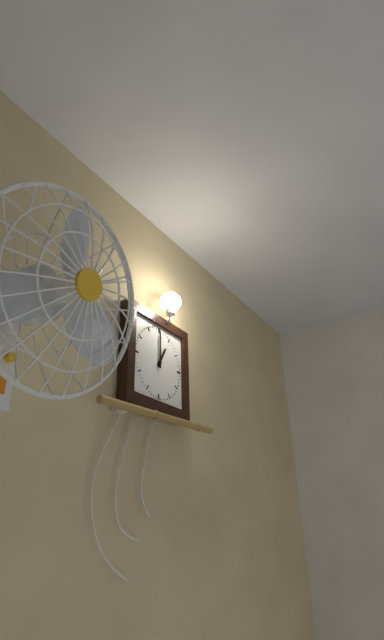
1h00
